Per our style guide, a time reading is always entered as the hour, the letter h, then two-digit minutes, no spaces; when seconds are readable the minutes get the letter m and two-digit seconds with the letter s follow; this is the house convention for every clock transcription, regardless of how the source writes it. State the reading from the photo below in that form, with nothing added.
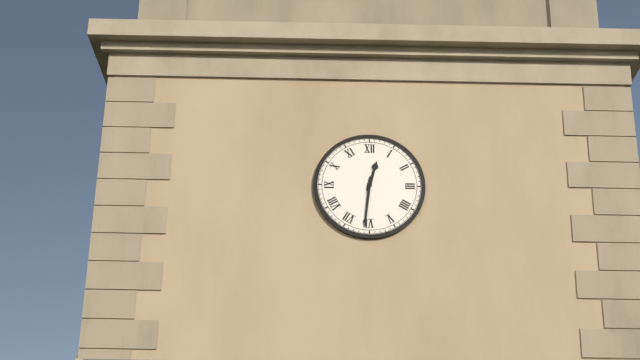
12h31
